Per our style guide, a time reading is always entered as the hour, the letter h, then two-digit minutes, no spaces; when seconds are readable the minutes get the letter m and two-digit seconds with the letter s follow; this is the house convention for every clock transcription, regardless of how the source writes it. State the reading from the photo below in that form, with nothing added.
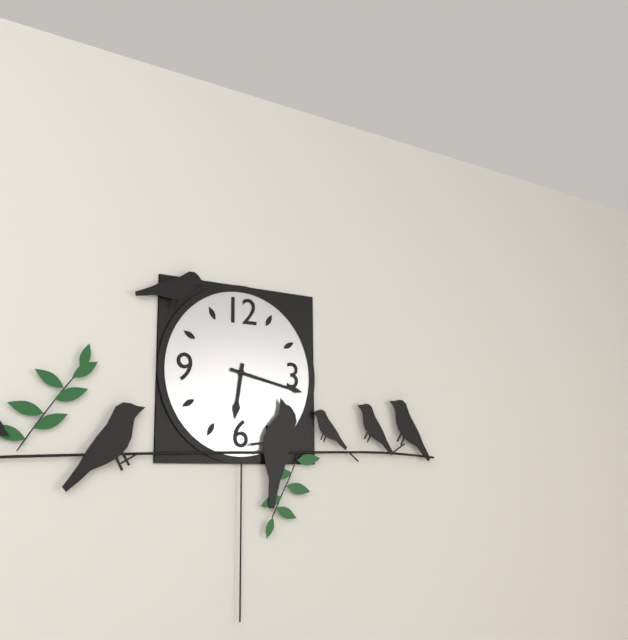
6h17
